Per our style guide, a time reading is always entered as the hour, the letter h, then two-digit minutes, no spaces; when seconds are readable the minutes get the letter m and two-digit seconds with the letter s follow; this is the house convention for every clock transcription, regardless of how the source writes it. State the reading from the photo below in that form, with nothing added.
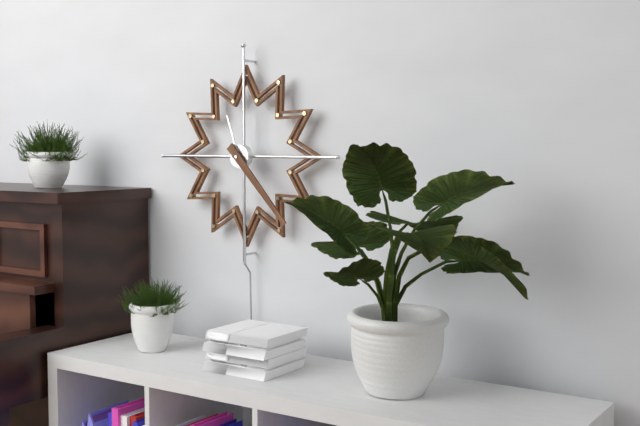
11h23
